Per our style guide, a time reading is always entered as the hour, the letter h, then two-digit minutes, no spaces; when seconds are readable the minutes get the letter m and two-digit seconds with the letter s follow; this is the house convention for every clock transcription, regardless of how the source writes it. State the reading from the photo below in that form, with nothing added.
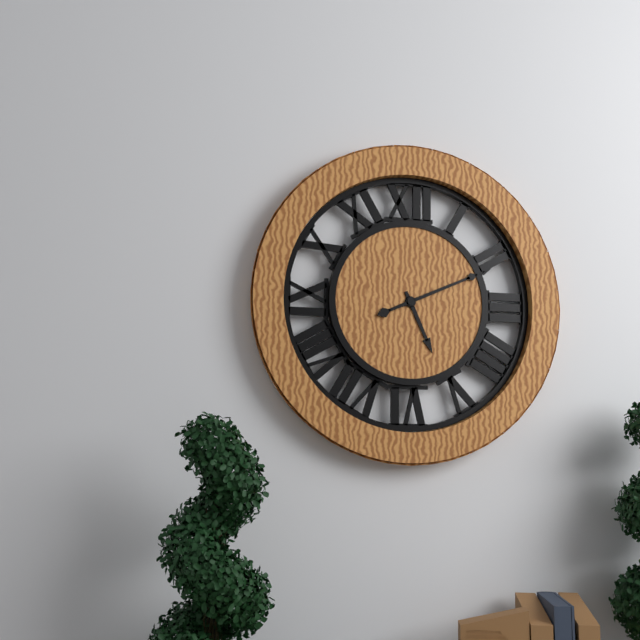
5h11
